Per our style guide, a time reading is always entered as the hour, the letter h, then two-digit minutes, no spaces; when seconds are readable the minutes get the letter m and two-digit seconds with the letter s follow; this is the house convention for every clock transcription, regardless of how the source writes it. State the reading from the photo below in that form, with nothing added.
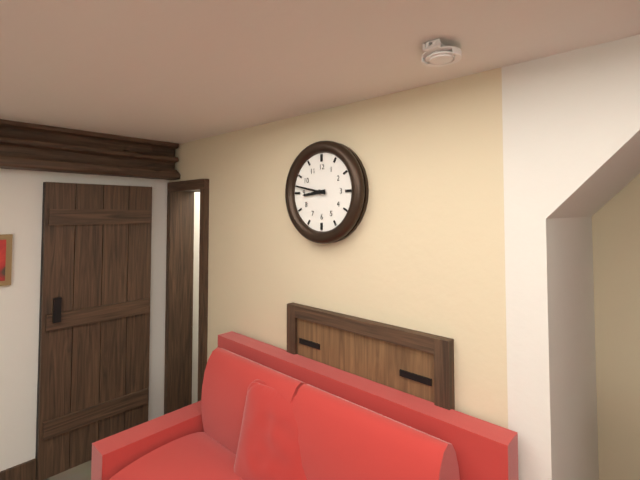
8h47
